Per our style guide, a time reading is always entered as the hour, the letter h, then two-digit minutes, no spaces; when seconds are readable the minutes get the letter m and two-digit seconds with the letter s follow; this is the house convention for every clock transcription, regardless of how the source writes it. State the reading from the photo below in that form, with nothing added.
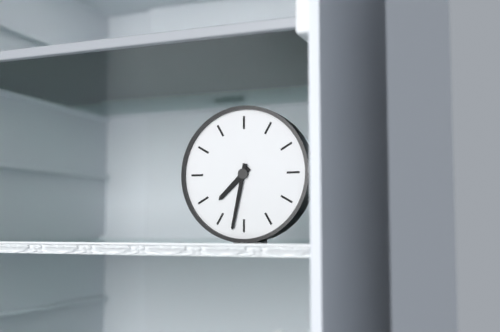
7h32
